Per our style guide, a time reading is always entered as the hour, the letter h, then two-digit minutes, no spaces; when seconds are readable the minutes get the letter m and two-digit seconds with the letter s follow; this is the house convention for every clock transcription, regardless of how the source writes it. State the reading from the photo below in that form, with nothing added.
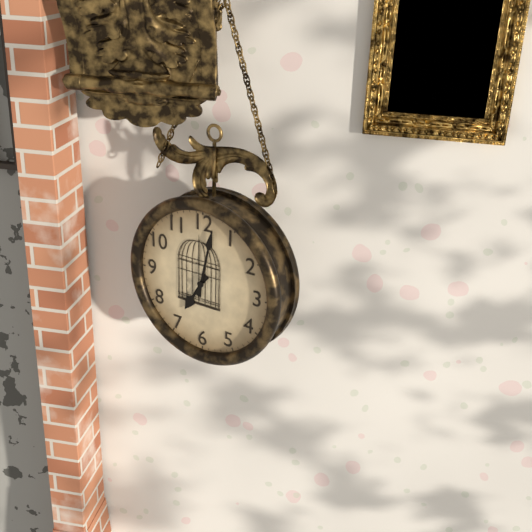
7h02
